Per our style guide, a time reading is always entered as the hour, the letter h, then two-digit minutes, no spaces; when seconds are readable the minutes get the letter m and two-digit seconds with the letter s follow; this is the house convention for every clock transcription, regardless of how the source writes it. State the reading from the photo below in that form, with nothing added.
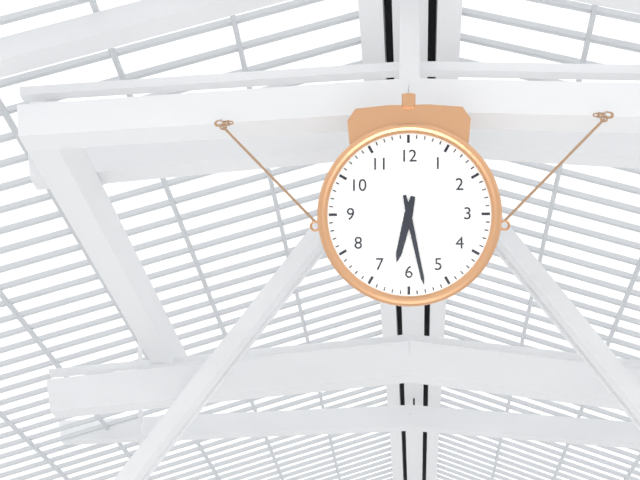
6h28
